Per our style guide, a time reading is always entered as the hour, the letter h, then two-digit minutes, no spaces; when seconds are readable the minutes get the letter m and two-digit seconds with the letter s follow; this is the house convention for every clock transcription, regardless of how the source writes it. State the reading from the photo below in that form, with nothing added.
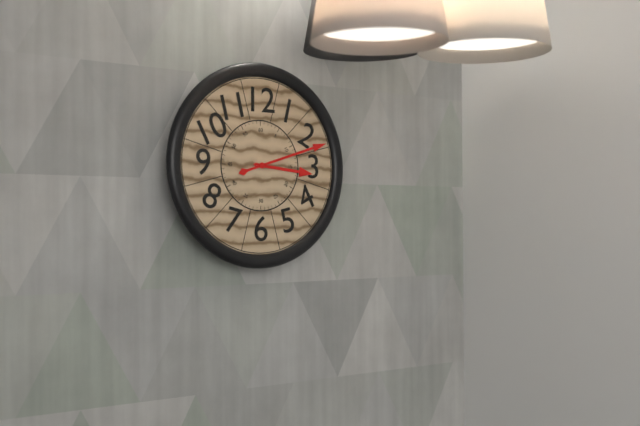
3h12
